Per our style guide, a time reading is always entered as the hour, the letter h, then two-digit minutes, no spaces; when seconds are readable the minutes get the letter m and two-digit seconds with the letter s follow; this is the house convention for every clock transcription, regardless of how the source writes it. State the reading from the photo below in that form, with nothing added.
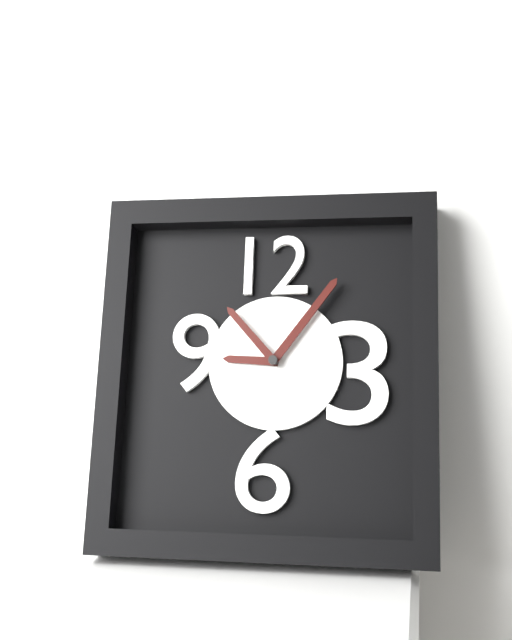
9h06m53s
